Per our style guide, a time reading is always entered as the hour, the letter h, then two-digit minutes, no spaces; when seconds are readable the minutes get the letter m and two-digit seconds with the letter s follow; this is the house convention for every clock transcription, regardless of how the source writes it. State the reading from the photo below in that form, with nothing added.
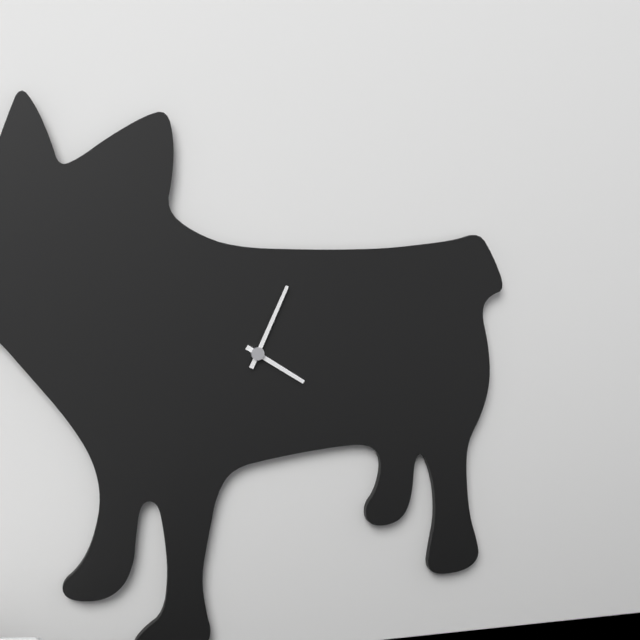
4h04
